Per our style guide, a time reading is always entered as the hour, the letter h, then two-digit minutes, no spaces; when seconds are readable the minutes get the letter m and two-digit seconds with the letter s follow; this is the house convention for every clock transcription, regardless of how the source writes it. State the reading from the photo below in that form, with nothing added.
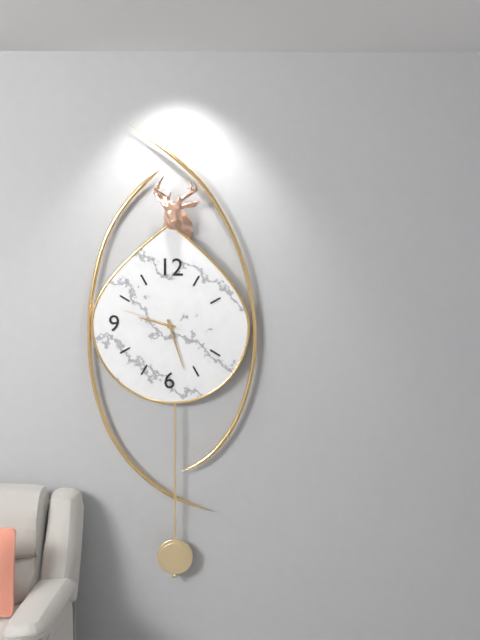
9h27m48s
